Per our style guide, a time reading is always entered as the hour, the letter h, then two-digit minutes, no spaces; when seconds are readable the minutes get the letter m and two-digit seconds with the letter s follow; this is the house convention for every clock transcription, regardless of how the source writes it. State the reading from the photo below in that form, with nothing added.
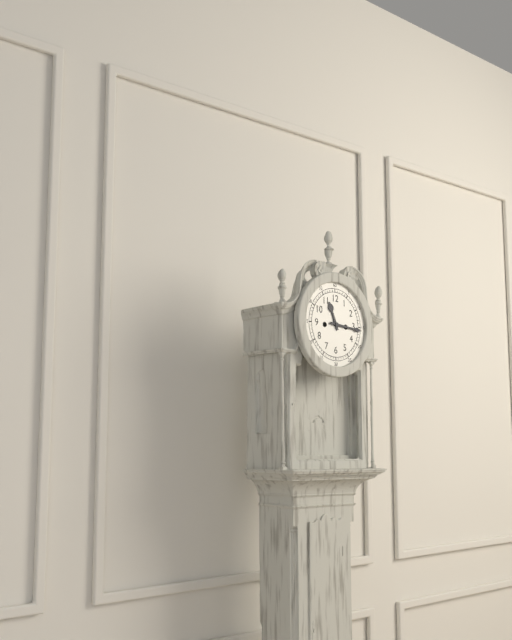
11h16
